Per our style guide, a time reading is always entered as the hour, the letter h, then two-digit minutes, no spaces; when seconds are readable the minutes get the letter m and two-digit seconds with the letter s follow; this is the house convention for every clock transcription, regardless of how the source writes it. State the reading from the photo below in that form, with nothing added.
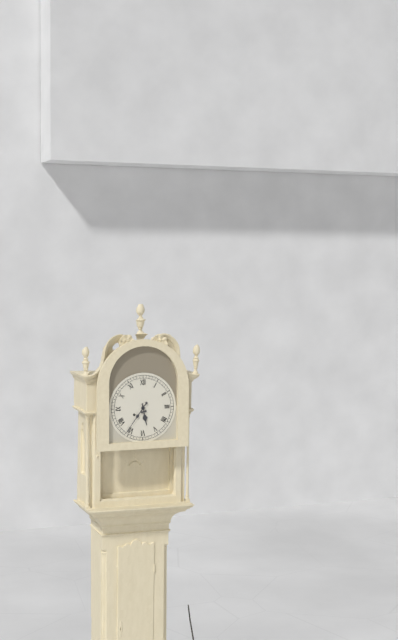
5h36
